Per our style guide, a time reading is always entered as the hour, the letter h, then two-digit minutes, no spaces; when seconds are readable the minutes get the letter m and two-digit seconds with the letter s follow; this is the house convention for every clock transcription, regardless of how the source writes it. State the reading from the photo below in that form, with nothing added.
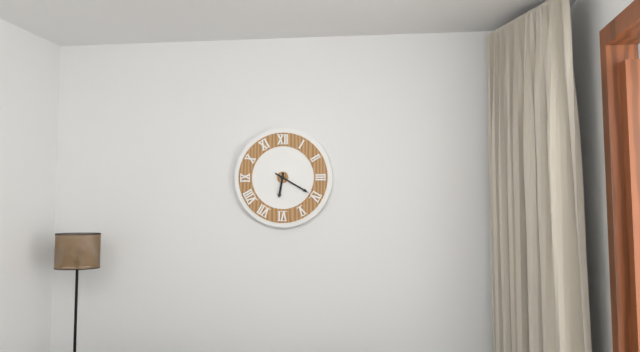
6h20
